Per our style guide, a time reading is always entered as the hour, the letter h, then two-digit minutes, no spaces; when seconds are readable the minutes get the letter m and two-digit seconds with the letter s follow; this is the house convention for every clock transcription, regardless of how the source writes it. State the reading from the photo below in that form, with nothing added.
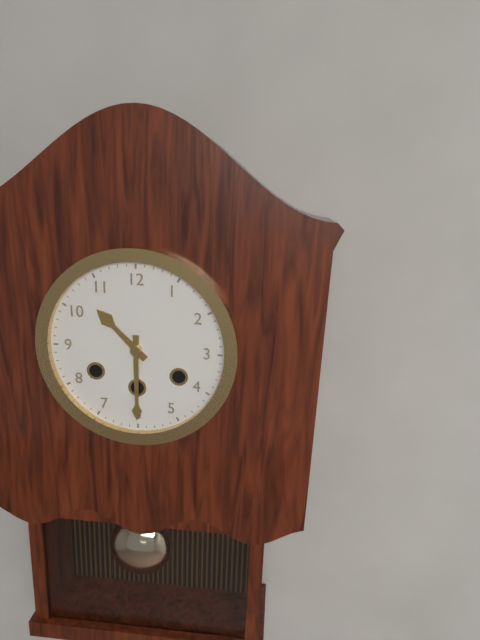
10h30
